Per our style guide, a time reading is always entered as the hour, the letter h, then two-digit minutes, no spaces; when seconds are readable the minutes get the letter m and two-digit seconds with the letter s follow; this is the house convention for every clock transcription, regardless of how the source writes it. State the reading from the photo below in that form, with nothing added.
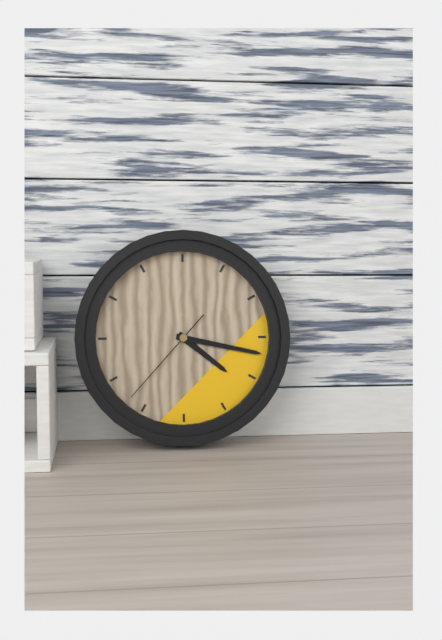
4h17m37s
